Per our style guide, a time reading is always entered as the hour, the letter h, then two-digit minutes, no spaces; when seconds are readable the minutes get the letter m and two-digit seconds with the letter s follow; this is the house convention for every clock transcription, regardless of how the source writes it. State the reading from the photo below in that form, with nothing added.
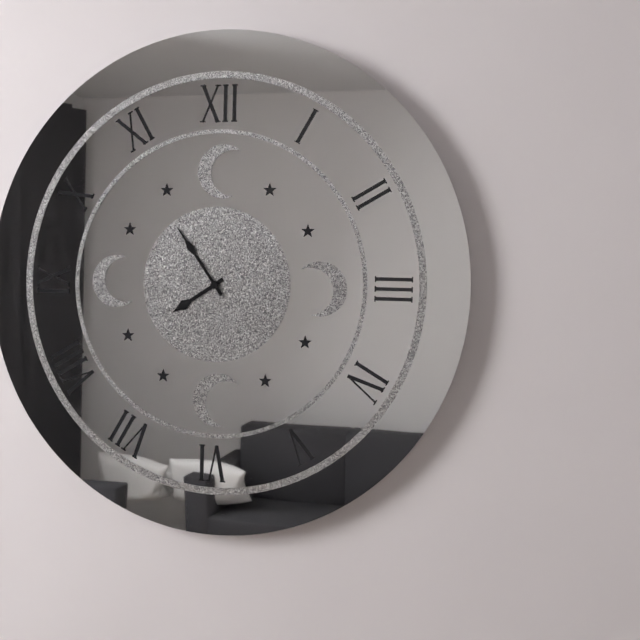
7h54
